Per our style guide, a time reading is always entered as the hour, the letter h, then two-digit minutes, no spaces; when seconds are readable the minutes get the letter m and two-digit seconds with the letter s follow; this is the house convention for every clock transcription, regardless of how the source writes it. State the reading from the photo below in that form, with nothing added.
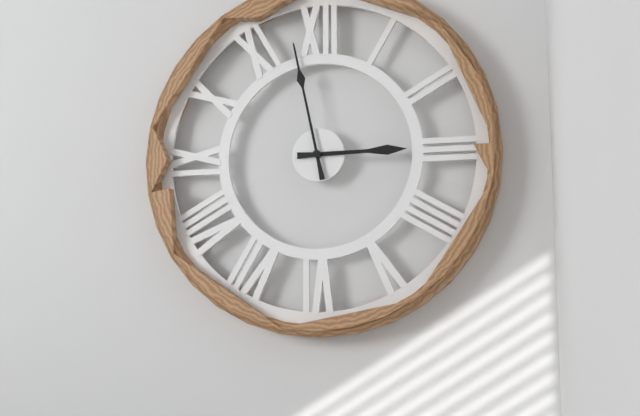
2h58
